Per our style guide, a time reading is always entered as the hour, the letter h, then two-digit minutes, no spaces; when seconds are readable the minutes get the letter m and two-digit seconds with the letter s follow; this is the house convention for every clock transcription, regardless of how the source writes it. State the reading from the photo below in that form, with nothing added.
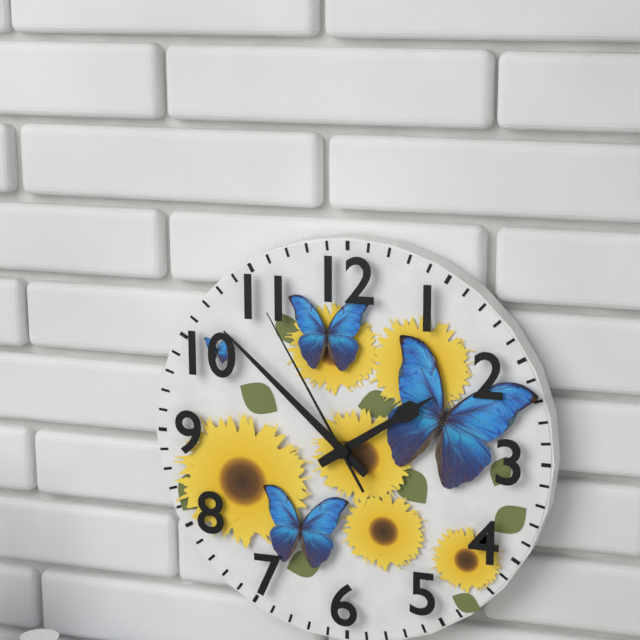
1h52m55s
